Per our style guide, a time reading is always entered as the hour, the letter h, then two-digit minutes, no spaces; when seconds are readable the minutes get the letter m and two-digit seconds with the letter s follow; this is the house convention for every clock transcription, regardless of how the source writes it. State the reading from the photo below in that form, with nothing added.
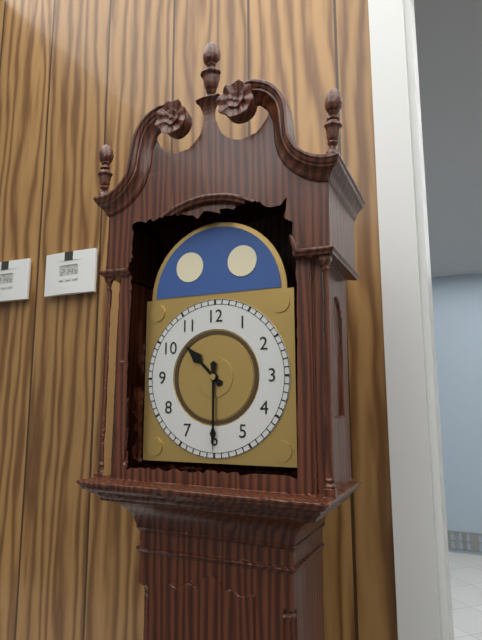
10h30
